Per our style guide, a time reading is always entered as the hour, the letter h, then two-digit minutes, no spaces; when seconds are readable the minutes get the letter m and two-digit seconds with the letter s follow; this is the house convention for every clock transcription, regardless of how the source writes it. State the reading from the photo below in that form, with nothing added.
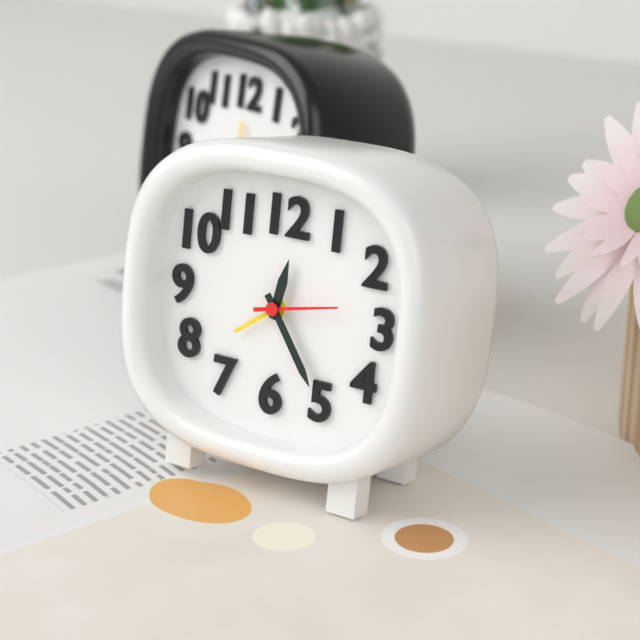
12h24m13s
